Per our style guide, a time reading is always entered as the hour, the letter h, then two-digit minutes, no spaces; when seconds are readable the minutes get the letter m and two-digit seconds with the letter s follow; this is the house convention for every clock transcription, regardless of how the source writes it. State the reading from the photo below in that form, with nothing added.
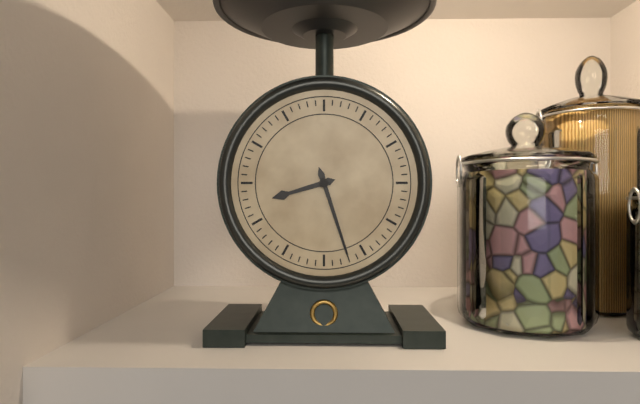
8h27
